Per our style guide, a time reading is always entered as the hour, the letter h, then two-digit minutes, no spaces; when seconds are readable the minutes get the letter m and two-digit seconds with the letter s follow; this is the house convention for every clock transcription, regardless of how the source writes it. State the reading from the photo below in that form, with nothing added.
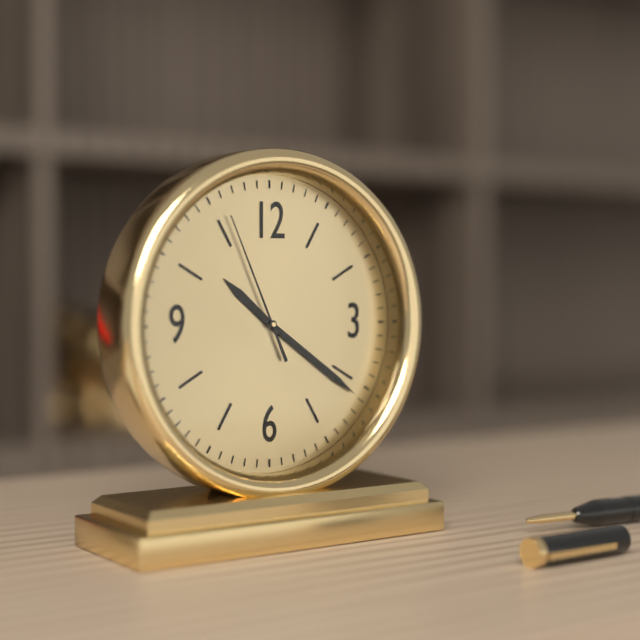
10h21m56s
